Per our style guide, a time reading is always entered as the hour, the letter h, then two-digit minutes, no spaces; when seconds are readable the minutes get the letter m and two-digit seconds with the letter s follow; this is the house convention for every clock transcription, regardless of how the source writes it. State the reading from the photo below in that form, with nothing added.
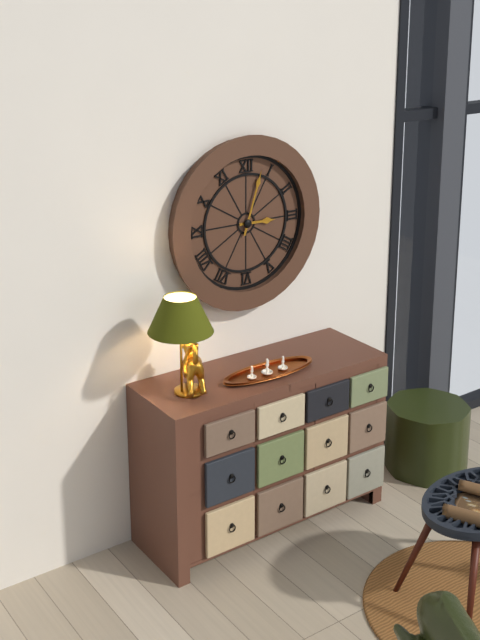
3h03
